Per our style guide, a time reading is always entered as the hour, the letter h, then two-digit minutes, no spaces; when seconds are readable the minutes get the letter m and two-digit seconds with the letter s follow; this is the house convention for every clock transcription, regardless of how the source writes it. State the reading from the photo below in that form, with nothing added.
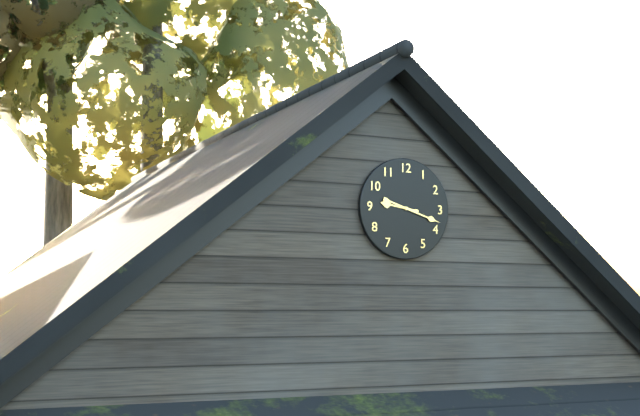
9h18
